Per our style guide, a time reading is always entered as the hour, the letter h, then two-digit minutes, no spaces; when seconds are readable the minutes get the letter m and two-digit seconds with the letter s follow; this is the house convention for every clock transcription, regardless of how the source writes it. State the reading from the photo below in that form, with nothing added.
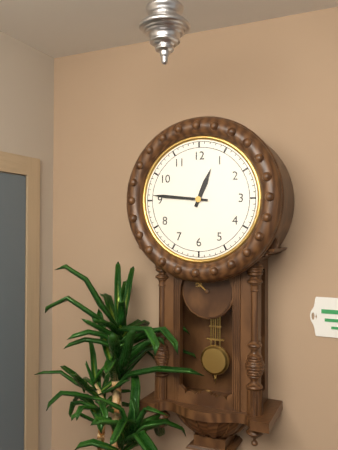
12h46
